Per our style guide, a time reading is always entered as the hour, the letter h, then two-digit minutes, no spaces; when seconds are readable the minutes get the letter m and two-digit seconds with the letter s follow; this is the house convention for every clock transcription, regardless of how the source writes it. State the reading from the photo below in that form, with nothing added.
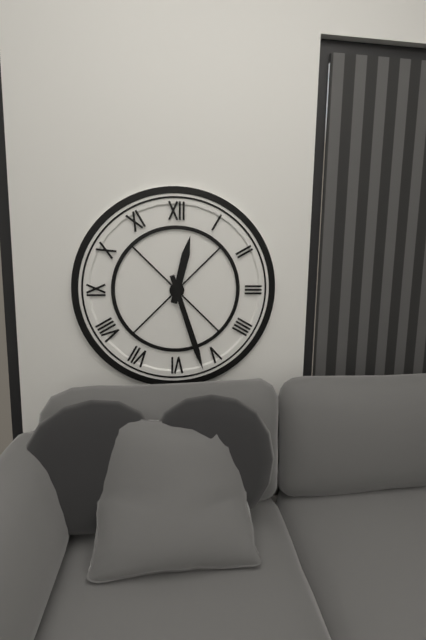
12h27
